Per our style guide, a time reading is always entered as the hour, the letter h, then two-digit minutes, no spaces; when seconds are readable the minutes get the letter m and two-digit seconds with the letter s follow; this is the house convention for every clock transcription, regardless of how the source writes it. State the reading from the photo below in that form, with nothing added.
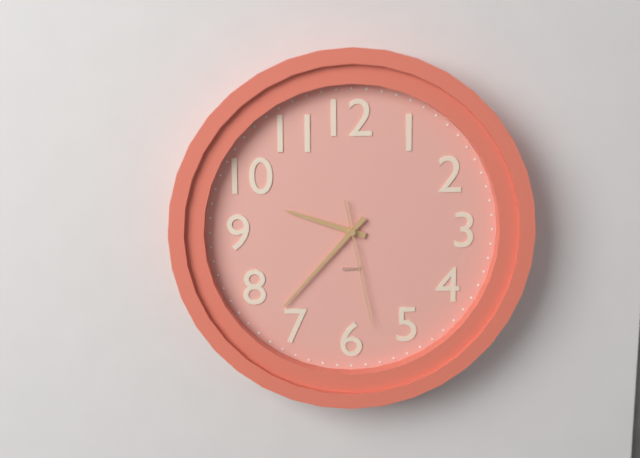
9h37m28s
